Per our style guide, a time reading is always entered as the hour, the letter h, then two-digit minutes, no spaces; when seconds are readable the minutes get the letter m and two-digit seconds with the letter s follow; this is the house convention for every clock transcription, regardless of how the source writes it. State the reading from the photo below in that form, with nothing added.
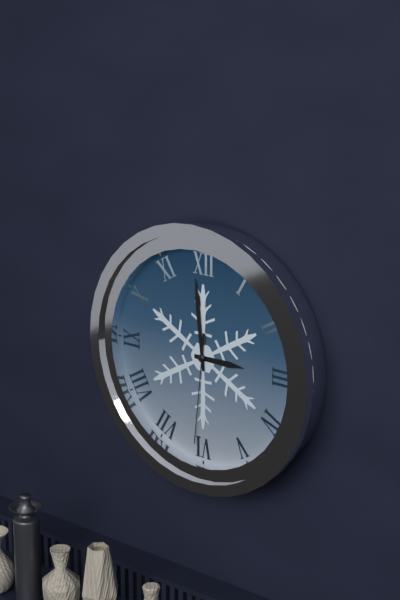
2h59m31s
